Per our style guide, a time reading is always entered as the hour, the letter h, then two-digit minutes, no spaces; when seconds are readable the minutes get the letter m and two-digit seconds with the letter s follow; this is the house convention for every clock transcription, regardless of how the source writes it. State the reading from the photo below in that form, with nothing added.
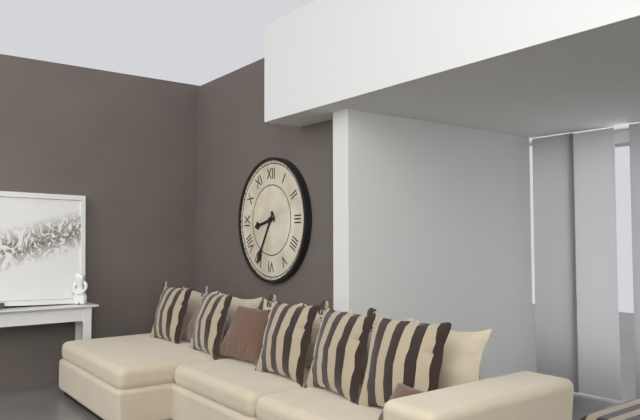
8h35
